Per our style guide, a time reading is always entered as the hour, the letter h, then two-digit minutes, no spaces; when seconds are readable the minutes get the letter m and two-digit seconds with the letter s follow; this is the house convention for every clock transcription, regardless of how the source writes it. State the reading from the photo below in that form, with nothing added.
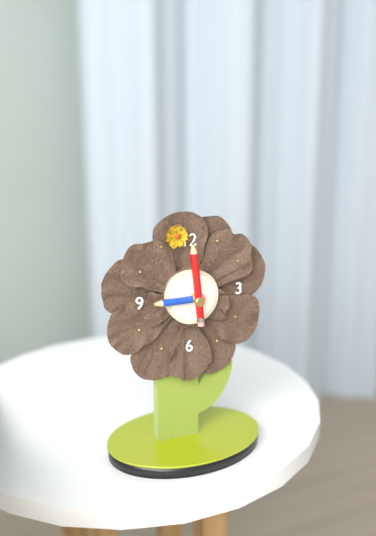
8h59
